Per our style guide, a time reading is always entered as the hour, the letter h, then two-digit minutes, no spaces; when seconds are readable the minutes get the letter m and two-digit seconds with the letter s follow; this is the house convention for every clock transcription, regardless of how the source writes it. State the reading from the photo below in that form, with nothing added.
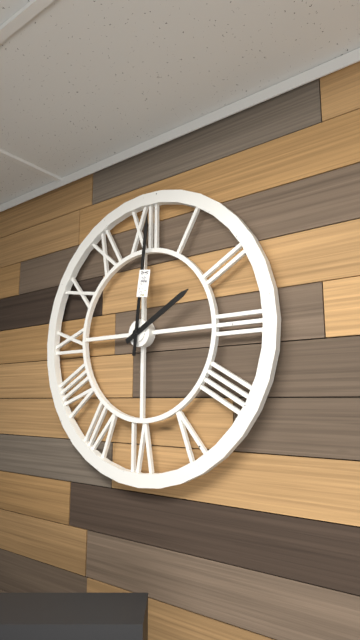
2h01
